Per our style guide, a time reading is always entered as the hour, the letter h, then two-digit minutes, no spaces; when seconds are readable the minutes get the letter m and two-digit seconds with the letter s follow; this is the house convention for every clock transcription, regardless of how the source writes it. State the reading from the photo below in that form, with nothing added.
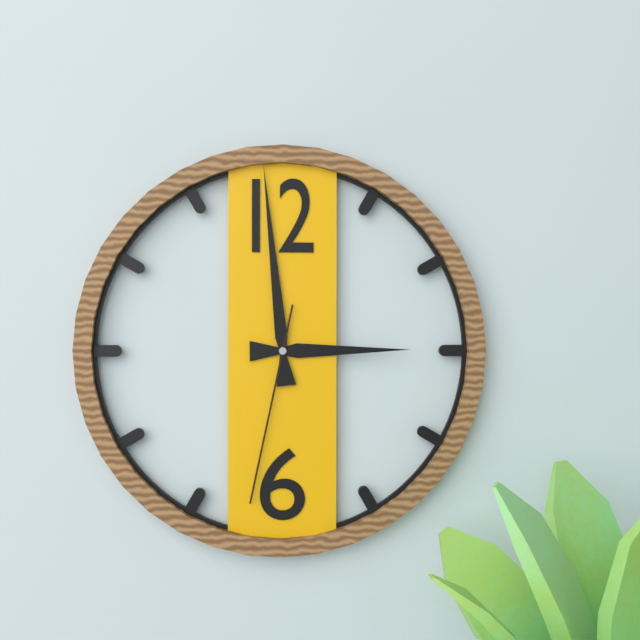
2h59m32s
